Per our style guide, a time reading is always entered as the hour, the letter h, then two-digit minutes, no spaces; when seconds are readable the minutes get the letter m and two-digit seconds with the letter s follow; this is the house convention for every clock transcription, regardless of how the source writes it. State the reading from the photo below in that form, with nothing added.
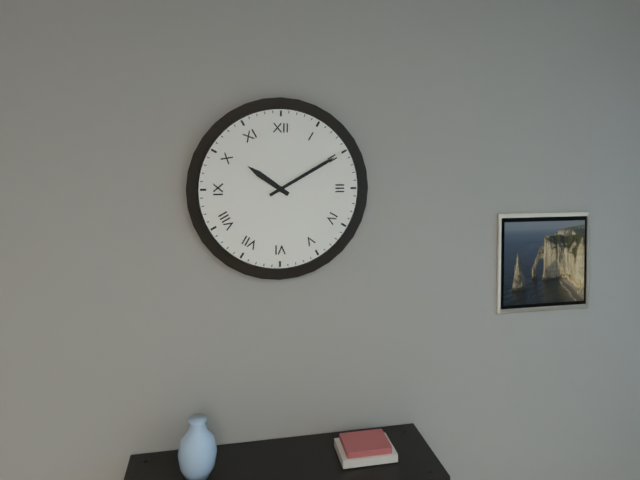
10h10
